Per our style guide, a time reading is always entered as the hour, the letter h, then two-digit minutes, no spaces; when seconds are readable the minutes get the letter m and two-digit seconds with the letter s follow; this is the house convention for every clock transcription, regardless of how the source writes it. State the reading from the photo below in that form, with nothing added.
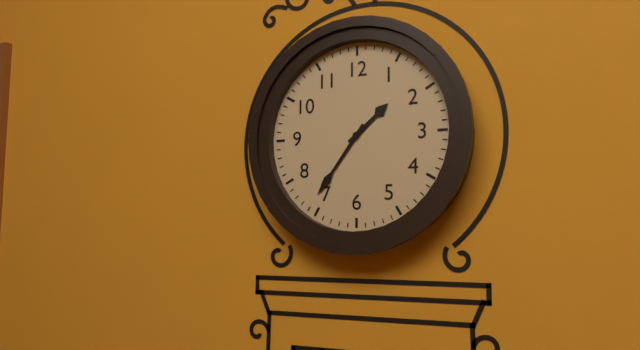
1h36
